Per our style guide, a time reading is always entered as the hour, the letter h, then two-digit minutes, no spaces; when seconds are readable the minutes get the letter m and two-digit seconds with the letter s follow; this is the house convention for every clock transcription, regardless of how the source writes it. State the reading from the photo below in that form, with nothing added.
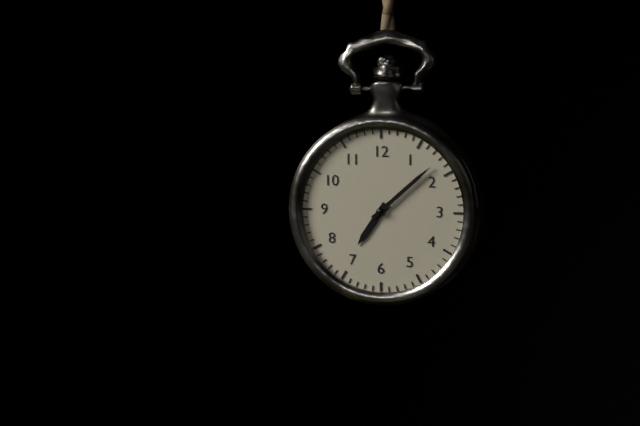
7h08
